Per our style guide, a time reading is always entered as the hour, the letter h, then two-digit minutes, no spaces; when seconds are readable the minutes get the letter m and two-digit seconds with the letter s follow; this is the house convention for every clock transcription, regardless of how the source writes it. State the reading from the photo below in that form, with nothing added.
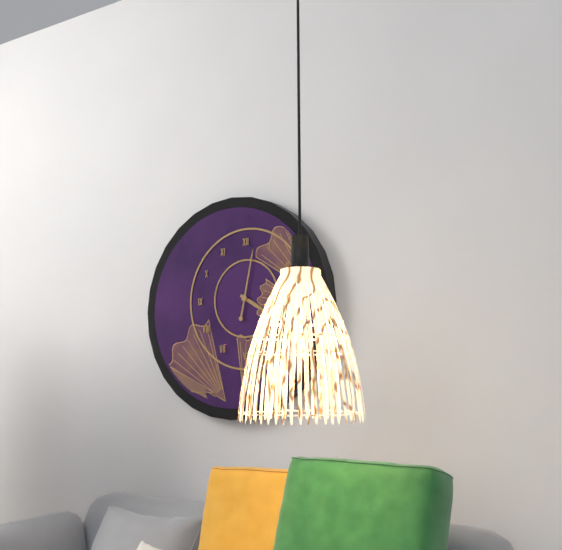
4h02
